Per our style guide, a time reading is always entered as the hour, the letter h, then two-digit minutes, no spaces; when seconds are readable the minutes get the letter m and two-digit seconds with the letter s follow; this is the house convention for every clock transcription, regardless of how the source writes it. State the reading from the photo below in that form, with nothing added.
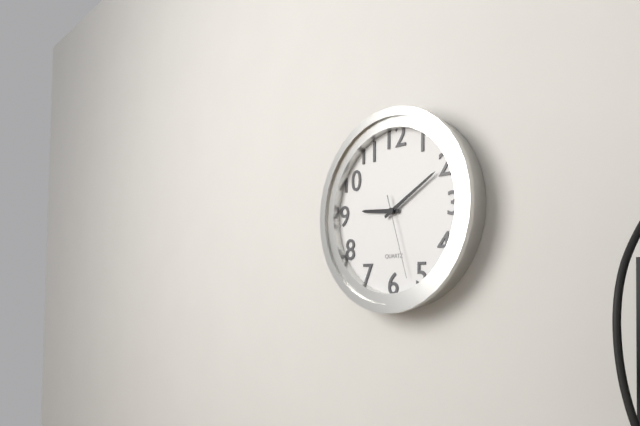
9h10m27s
